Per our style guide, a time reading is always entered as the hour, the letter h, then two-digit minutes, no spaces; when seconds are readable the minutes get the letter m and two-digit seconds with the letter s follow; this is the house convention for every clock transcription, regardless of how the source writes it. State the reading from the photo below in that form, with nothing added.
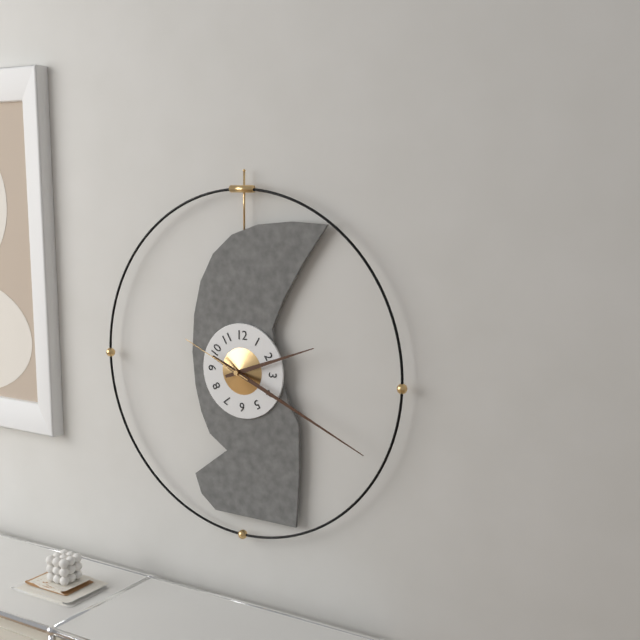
2h19m49s
